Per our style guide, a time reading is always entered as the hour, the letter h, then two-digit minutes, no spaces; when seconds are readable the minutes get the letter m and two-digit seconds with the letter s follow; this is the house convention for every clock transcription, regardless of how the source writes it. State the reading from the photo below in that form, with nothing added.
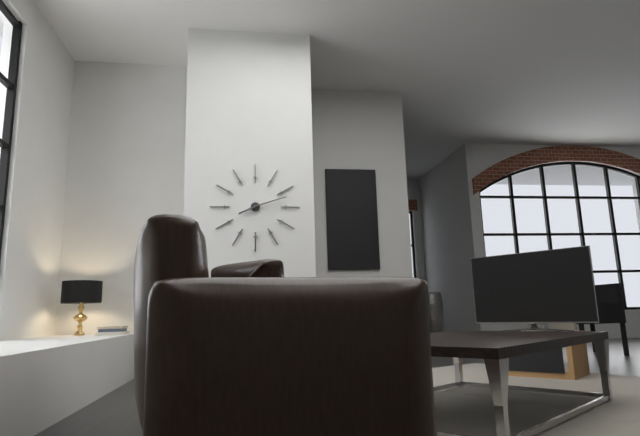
8h12
